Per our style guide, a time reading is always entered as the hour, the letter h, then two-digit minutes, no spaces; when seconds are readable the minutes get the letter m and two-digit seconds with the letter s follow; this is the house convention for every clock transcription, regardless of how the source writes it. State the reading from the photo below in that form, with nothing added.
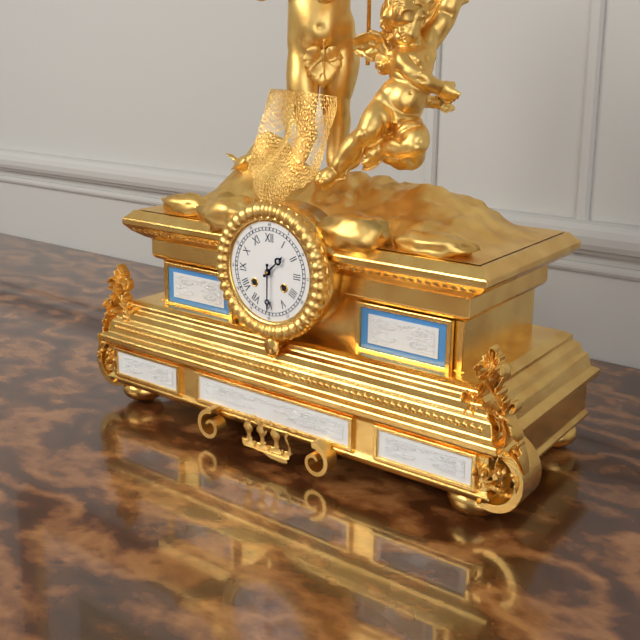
1h30
